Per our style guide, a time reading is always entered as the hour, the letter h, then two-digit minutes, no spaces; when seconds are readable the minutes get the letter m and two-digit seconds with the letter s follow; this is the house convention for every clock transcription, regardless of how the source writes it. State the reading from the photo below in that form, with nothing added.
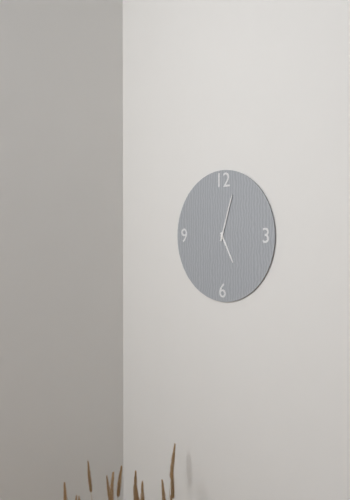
5h03
